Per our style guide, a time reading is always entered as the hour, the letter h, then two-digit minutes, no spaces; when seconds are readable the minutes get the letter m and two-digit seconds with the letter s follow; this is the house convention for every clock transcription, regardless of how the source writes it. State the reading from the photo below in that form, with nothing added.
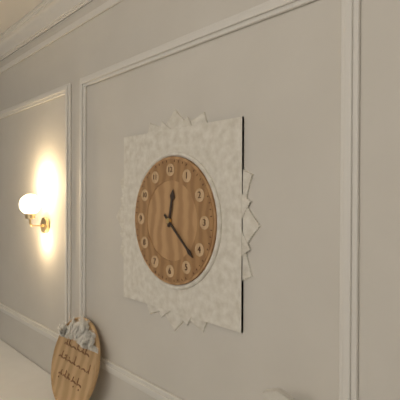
12h22
